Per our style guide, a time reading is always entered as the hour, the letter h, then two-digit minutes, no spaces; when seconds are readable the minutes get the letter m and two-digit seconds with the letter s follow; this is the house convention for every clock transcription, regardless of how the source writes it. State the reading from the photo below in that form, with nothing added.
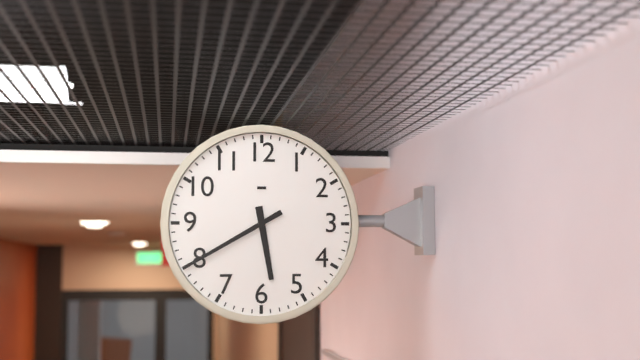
5h40
